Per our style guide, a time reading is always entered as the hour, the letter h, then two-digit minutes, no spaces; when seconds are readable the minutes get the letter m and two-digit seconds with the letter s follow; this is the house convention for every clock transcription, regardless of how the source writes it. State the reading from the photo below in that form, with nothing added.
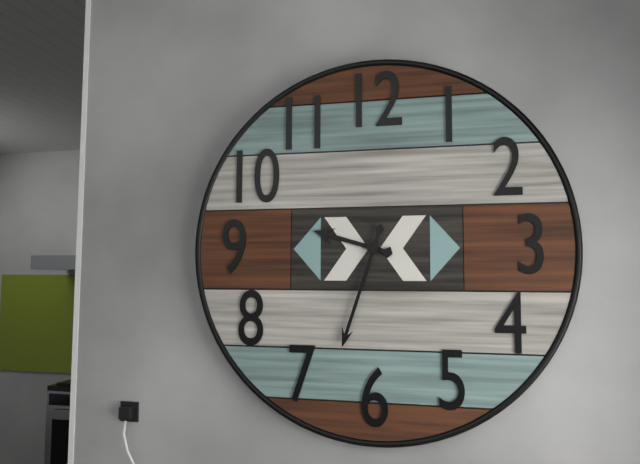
9h33
